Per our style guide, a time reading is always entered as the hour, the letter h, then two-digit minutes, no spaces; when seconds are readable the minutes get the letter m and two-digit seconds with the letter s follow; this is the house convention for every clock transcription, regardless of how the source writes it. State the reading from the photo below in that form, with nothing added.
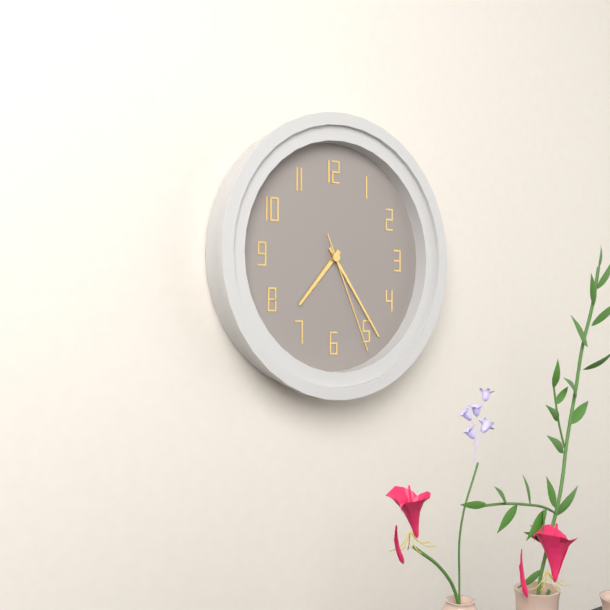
7h24m26s
